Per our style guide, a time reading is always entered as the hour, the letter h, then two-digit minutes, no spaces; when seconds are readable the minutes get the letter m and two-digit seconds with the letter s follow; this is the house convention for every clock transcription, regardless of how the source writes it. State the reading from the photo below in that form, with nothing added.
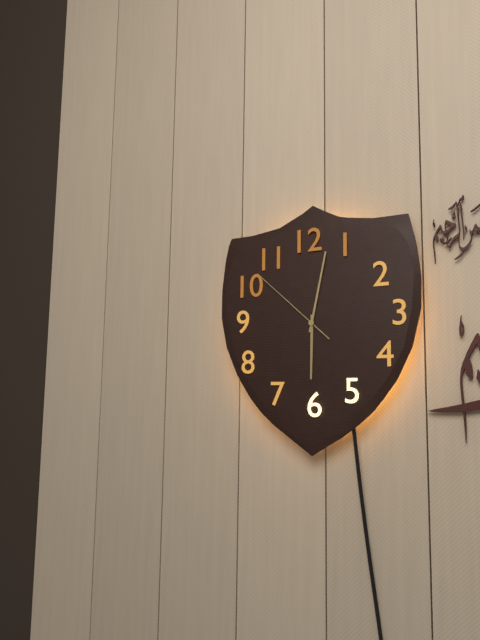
6h02m52s
